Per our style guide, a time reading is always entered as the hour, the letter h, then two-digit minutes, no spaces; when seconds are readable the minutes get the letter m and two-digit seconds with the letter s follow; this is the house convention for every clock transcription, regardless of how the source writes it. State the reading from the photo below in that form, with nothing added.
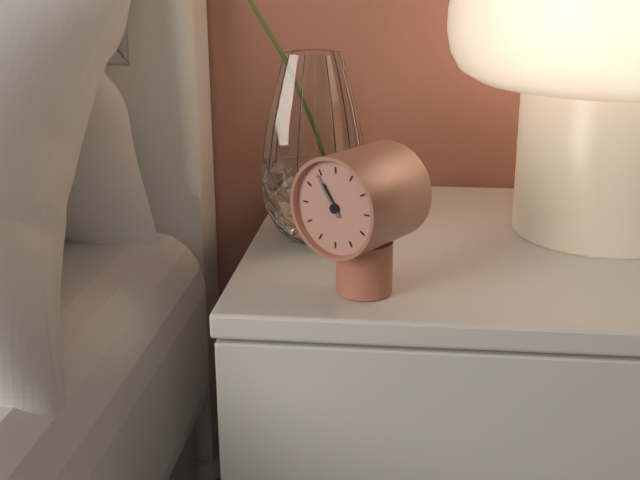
10h54
